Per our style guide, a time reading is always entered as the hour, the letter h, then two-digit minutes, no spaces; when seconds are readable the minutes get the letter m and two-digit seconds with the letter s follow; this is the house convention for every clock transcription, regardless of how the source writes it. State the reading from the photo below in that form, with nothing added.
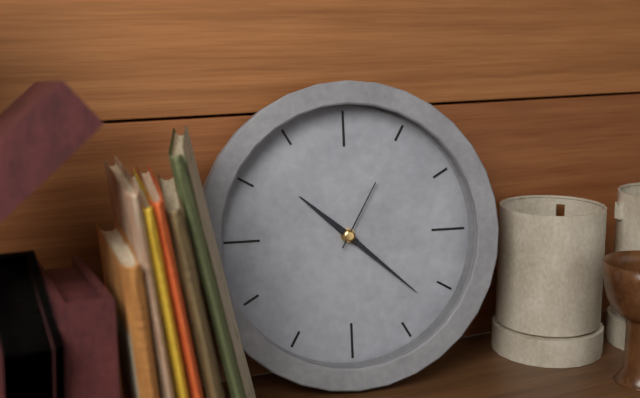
10h22m05s
